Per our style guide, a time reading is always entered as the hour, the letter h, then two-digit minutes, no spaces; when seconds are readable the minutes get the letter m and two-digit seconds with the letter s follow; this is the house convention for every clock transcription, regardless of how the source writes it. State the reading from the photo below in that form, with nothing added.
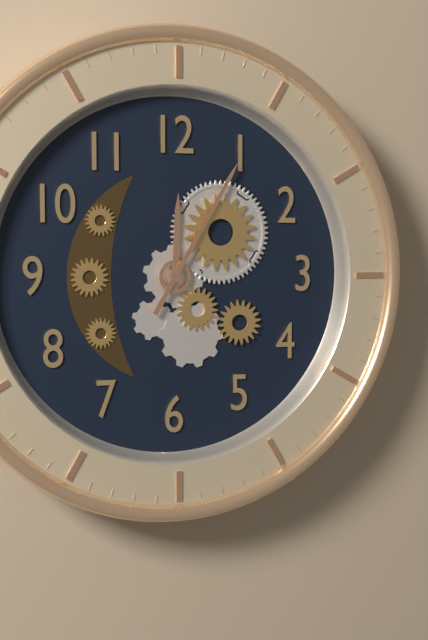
12h05
